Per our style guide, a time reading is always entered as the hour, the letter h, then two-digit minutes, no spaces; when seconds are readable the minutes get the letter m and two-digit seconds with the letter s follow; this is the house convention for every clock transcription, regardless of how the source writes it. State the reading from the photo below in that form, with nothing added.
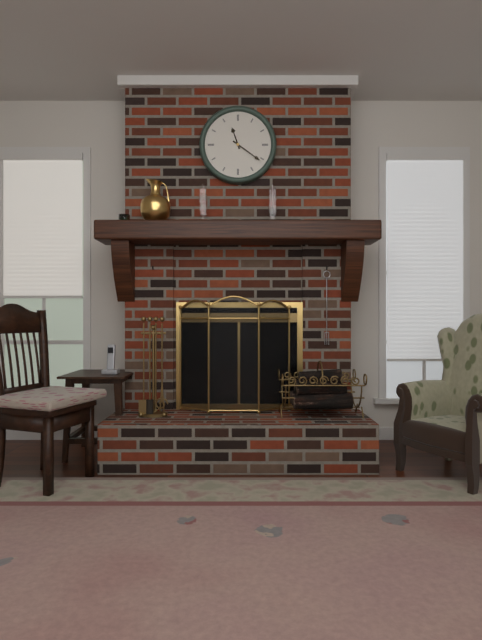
11h21
